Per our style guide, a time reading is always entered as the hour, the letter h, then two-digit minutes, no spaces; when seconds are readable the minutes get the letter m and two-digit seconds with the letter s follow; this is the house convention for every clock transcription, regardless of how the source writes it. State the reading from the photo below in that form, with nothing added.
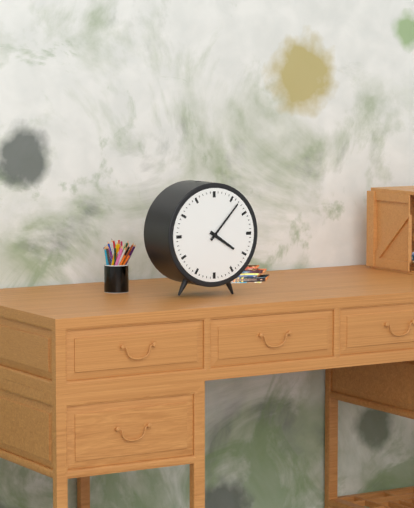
4h07
